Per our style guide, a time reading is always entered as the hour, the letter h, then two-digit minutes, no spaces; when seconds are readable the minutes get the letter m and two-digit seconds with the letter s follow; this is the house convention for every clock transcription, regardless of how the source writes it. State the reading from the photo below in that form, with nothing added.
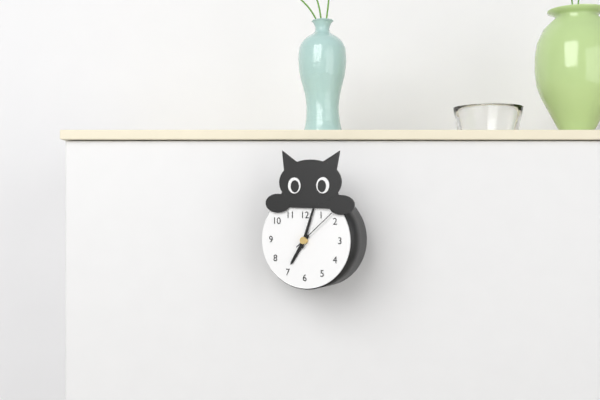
7h03m08s
